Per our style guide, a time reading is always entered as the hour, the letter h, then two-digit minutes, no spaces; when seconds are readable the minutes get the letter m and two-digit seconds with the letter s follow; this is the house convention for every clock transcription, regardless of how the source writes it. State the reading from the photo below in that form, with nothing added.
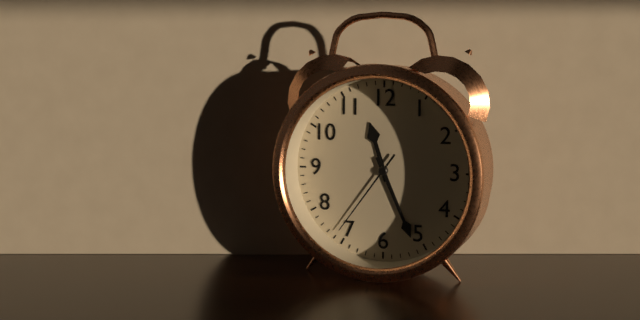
11h26m36s
